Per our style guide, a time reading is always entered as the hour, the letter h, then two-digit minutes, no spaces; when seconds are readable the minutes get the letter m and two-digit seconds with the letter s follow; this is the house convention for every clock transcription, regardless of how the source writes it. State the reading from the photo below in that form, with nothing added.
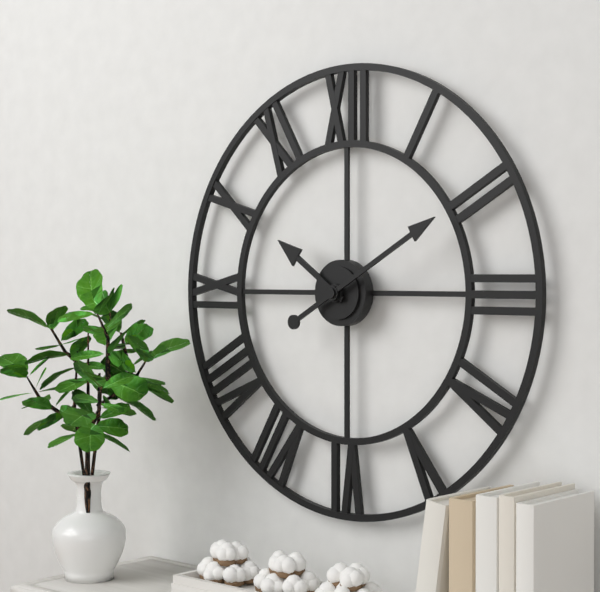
10h10
